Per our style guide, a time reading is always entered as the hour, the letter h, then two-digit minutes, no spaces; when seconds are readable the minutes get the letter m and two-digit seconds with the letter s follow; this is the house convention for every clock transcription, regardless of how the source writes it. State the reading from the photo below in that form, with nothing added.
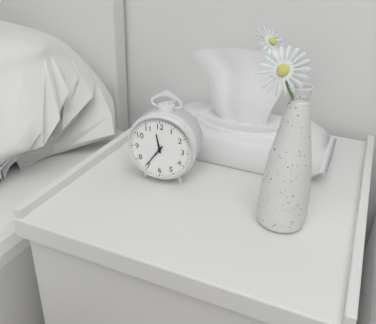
11h36
